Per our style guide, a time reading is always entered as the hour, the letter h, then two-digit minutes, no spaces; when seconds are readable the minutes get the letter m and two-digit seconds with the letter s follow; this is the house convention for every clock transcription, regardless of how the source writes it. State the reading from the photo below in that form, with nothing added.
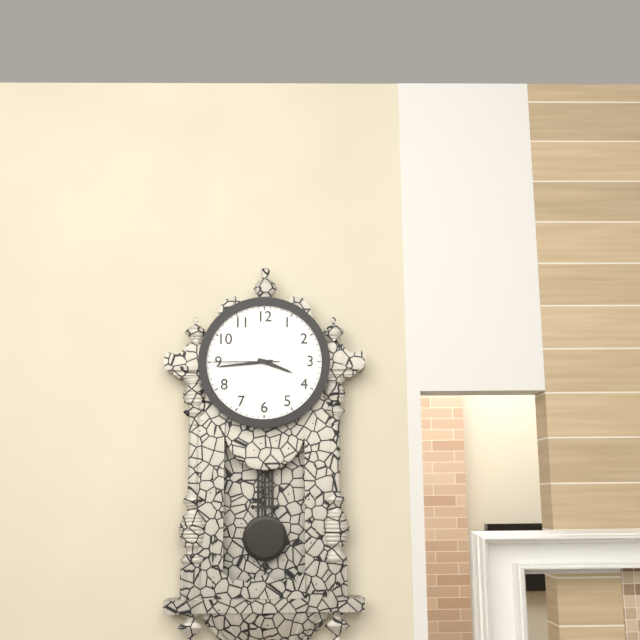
3h44m45s
